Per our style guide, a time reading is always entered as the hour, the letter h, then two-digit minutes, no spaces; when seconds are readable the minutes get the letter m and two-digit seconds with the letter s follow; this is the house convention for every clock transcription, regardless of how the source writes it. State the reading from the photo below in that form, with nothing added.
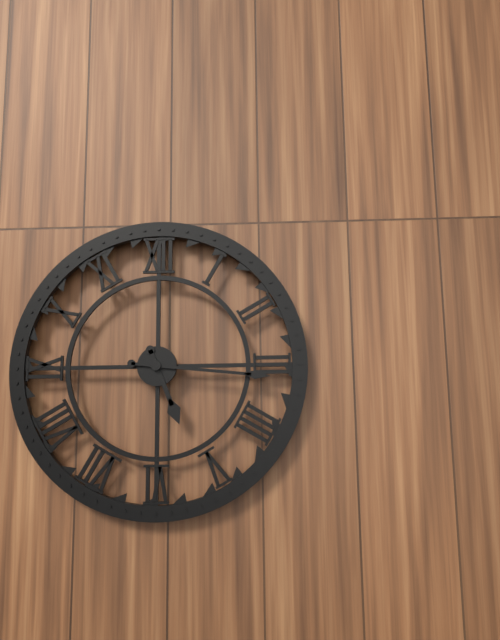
5h16
